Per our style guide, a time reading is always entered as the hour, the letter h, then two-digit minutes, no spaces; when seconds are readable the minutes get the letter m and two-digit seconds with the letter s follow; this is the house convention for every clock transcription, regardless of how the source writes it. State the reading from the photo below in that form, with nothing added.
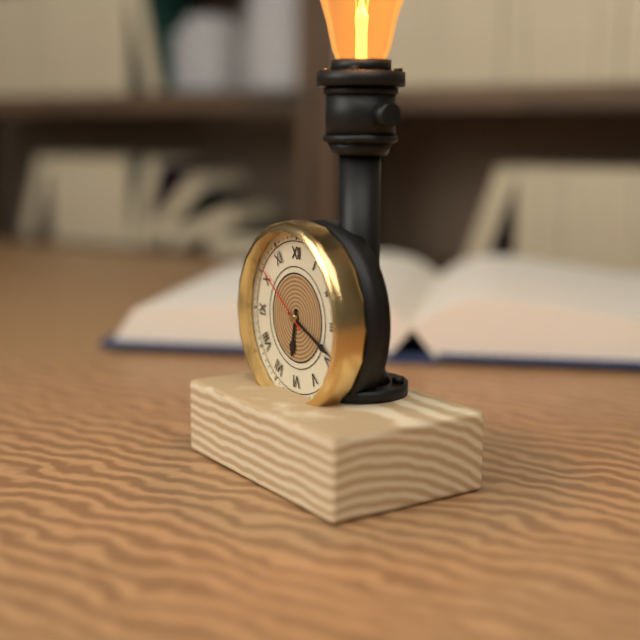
6h19m51s
